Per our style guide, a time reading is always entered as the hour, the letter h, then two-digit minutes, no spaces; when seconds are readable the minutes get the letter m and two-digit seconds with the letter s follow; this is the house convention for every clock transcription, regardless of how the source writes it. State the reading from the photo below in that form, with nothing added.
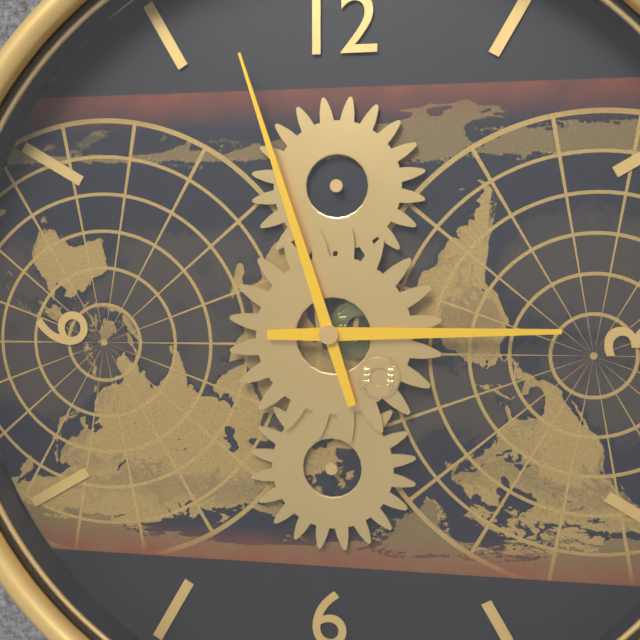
2h57
